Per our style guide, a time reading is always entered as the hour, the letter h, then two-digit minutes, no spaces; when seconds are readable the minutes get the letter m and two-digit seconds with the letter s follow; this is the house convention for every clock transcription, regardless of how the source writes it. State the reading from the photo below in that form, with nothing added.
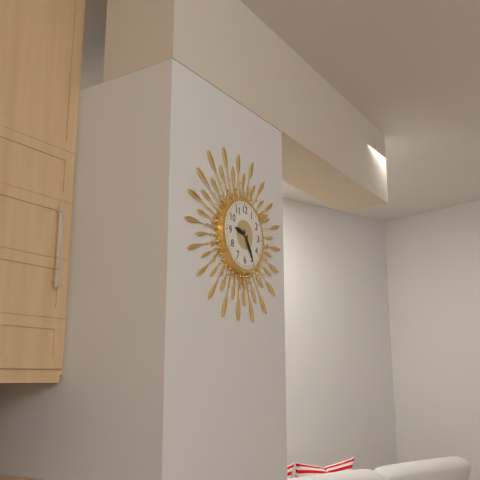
9h25
